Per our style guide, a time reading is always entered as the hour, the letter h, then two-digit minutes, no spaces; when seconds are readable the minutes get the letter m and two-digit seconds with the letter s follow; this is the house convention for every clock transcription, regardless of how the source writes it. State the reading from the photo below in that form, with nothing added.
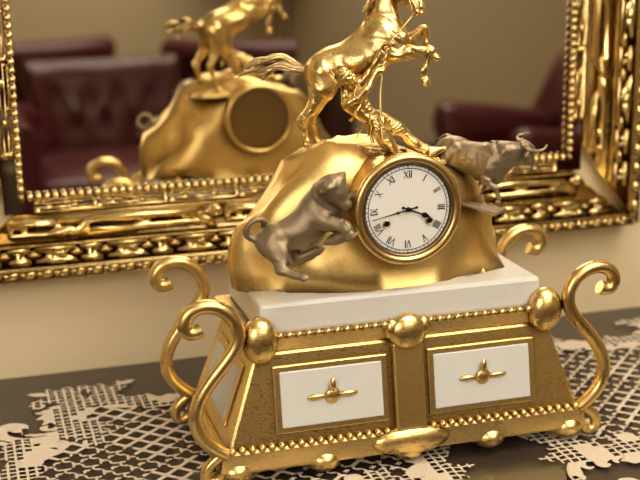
3h43
